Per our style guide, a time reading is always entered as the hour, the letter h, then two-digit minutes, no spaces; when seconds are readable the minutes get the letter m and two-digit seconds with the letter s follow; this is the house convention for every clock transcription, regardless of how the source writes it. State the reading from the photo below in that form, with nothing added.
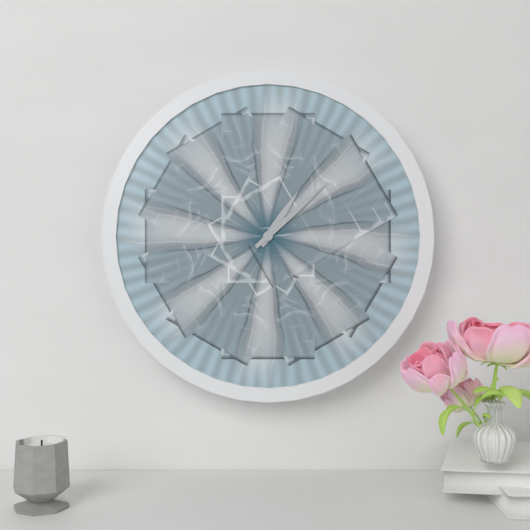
1h08
